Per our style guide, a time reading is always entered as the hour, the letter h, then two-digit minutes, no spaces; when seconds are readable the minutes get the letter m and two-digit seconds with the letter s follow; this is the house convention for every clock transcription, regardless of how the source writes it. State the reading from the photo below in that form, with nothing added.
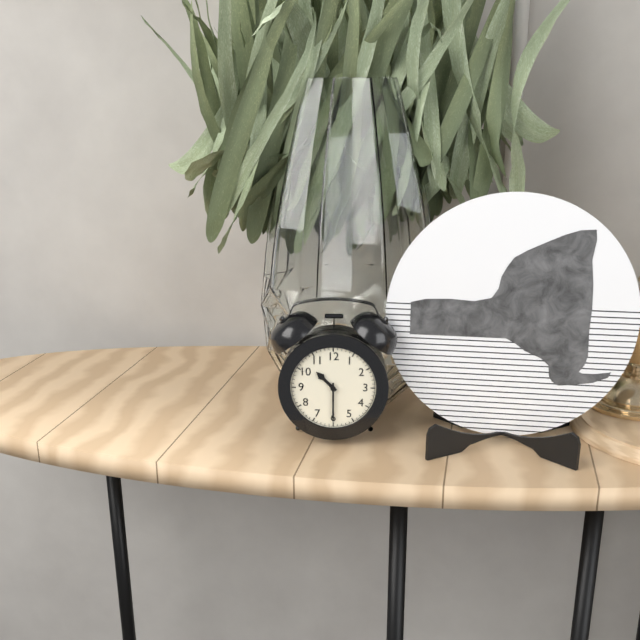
10h30
